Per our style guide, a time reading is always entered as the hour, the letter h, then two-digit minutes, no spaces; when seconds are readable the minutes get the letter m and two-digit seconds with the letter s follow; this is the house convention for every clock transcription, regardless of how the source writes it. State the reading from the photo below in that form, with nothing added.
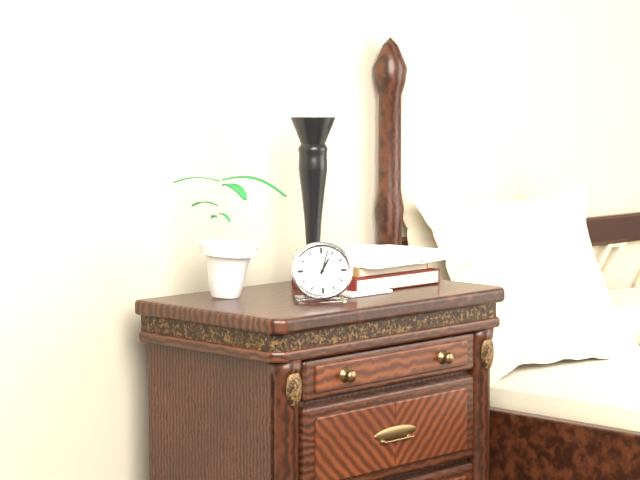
1h03
